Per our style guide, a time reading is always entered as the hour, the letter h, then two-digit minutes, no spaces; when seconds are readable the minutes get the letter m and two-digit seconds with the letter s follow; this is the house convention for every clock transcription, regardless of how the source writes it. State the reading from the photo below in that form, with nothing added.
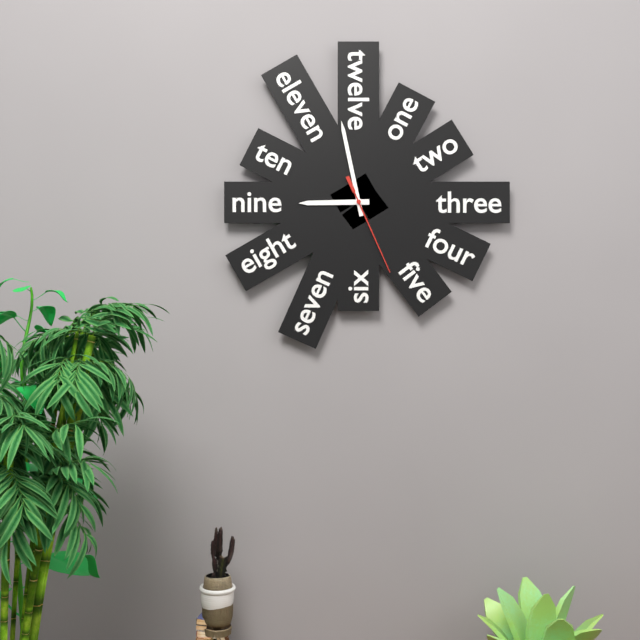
8h58m26s
